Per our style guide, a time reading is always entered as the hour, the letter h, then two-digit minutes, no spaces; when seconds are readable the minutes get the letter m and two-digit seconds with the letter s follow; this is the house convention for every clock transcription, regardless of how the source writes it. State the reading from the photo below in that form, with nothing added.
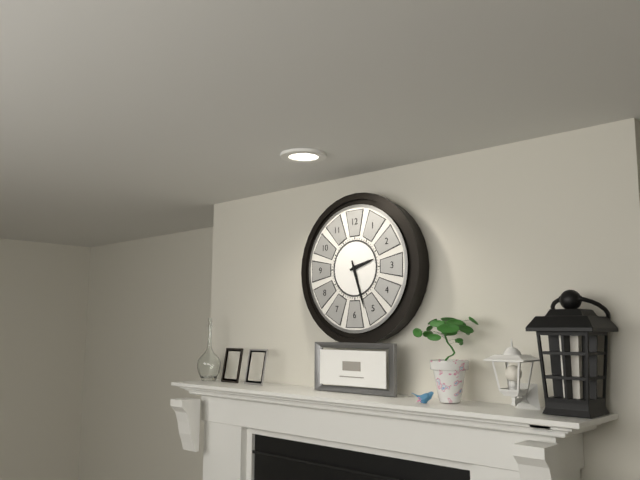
2h27
